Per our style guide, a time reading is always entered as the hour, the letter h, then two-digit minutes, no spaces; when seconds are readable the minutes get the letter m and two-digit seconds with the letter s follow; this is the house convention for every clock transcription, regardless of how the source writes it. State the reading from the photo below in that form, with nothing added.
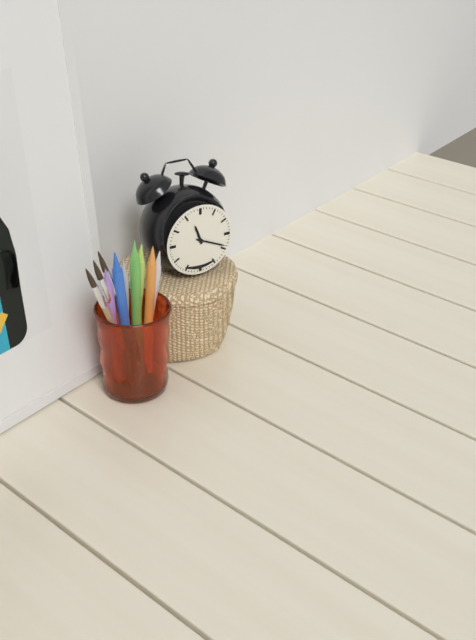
11h19
